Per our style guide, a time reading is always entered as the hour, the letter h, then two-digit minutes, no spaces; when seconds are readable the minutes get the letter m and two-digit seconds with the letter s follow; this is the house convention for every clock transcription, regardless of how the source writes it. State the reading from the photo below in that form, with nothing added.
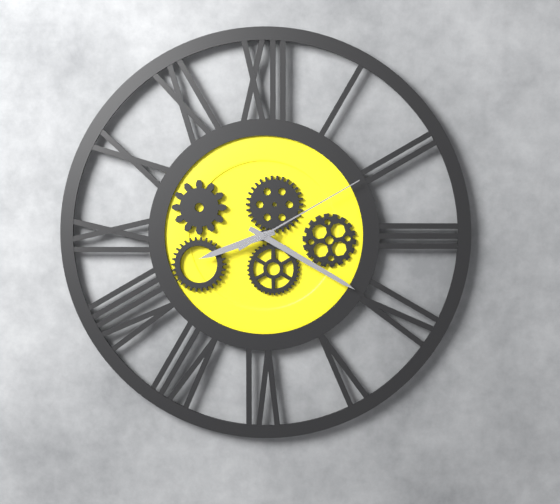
8h20m10s
